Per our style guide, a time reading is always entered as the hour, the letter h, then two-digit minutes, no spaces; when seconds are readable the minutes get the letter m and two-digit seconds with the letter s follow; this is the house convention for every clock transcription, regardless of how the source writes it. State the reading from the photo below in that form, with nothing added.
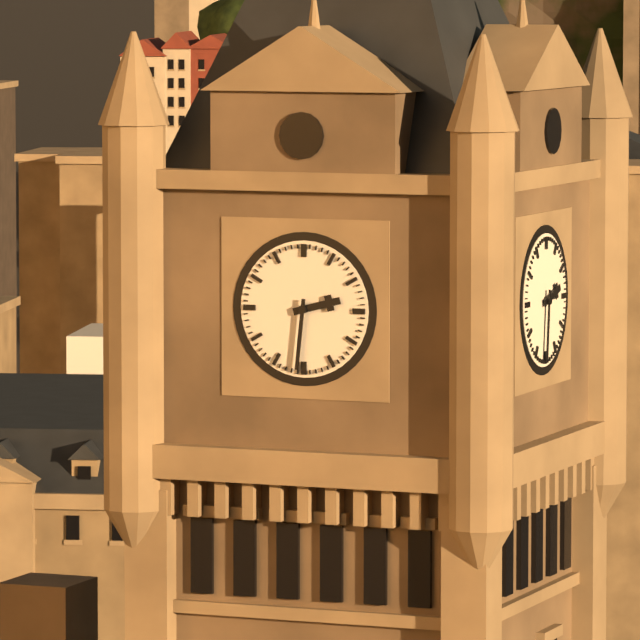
2h31
